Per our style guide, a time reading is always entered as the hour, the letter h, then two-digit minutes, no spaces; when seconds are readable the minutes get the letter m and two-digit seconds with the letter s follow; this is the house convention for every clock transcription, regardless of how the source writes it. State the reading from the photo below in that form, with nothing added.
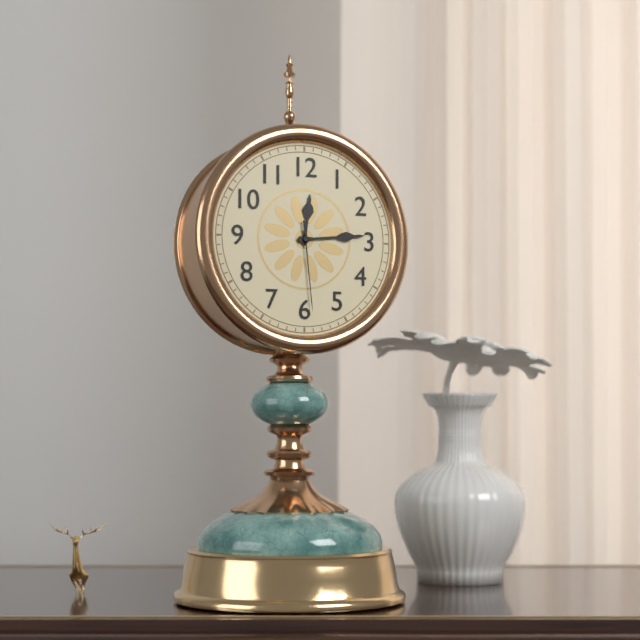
12h14m29s
